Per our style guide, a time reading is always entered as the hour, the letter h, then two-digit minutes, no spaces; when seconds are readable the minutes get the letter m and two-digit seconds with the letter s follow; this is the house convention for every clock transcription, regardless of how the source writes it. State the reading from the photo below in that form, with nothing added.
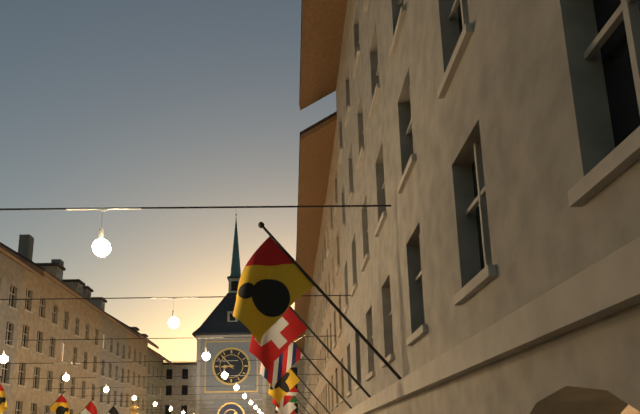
8h53
